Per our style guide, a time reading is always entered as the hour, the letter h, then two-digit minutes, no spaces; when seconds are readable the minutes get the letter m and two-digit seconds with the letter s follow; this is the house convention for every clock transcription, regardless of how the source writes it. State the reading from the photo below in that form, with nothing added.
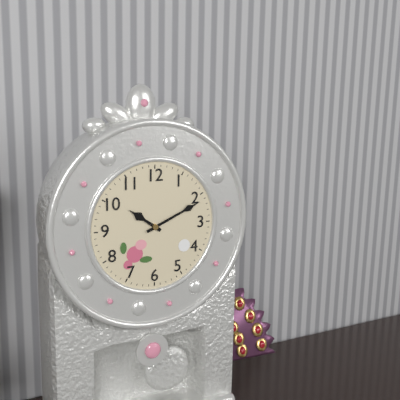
10h11
